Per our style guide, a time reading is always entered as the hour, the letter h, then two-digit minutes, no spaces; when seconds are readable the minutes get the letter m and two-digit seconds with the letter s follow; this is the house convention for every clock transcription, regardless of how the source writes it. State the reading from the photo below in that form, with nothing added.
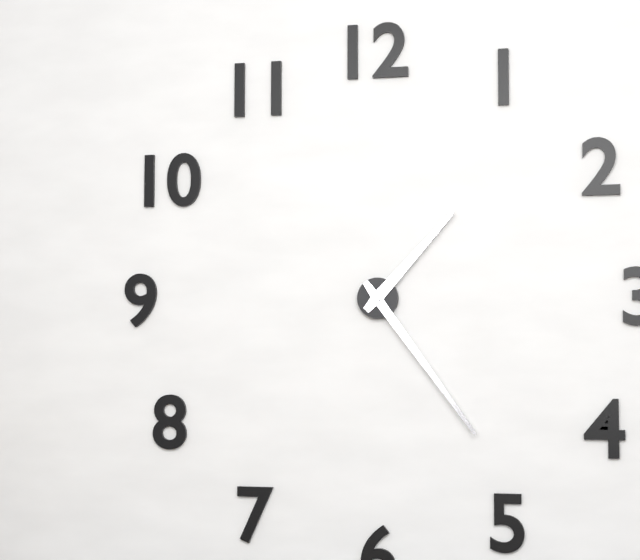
1h24
